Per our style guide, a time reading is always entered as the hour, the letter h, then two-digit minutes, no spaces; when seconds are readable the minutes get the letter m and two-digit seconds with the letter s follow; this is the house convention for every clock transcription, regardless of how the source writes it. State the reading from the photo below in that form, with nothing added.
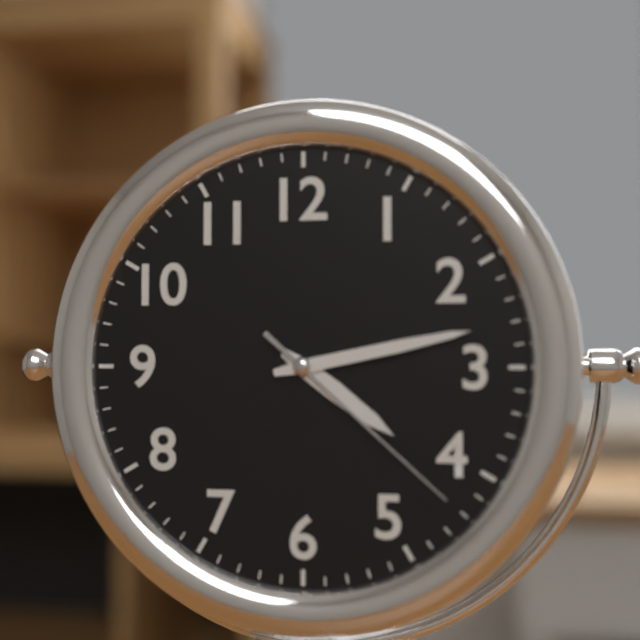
4h13m22s
